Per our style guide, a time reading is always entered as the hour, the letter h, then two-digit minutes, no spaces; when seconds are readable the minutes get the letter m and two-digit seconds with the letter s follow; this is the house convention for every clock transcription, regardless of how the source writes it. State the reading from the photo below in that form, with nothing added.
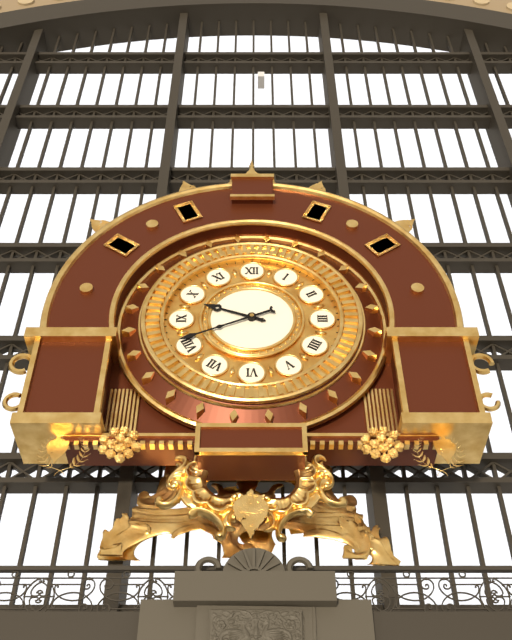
9h41
